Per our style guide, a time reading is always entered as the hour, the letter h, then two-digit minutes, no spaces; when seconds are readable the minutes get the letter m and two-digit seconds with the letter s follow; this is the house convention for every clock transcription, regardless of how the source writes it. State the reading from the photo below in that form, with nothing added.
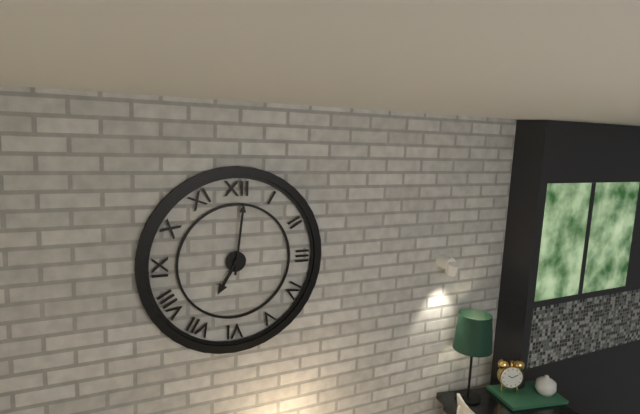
7h01
